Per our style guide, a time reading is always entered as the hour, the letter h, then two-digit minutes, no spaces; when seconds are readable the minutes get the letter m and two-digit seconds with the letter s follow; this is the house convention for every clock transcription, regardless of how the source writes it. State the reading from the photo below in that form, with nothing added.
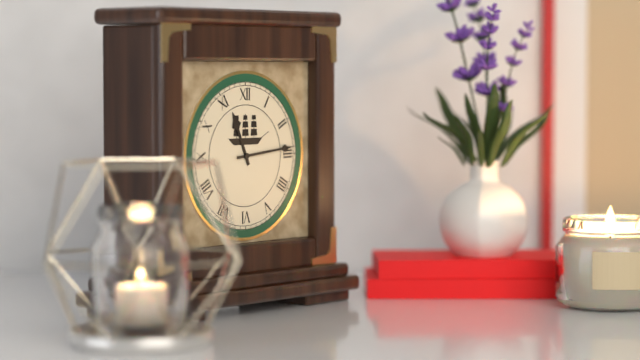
11h14
